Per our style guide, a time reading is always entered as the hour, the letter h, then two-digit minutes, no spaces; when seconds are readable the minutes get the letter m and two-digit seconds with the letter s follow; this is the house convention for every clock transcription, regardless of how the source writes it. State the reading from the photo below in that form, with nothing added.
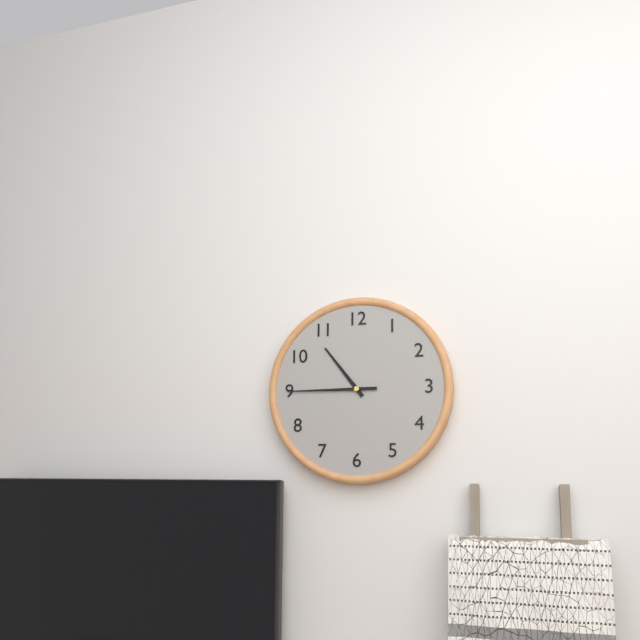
10h45
